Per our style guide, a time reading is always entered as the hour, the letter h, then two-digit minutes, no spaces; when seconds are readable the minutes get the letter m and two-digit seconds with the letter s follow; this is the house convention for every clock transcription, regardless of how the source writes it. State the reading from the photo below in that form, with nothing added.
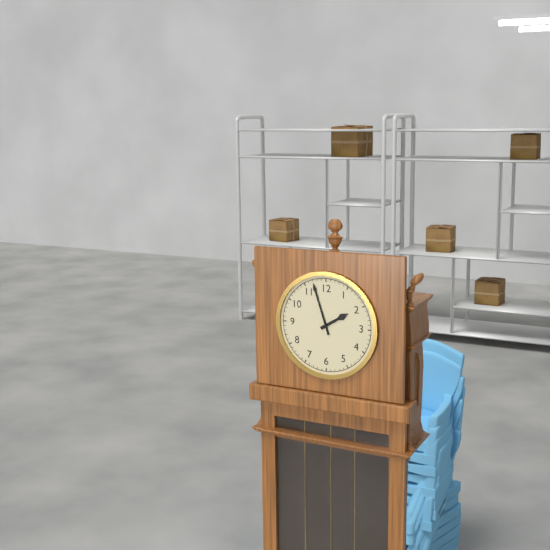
1h57
